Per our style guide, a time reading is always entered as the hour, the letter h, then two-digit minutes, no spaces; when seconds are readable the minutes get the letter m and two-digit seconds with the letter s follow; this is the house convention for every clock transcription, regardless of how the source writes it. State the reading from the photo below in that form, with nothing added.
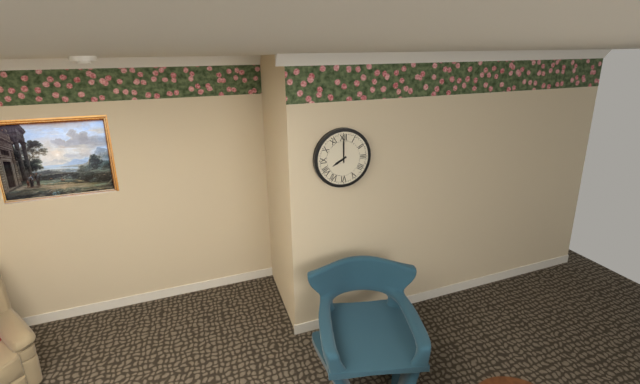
8h00
